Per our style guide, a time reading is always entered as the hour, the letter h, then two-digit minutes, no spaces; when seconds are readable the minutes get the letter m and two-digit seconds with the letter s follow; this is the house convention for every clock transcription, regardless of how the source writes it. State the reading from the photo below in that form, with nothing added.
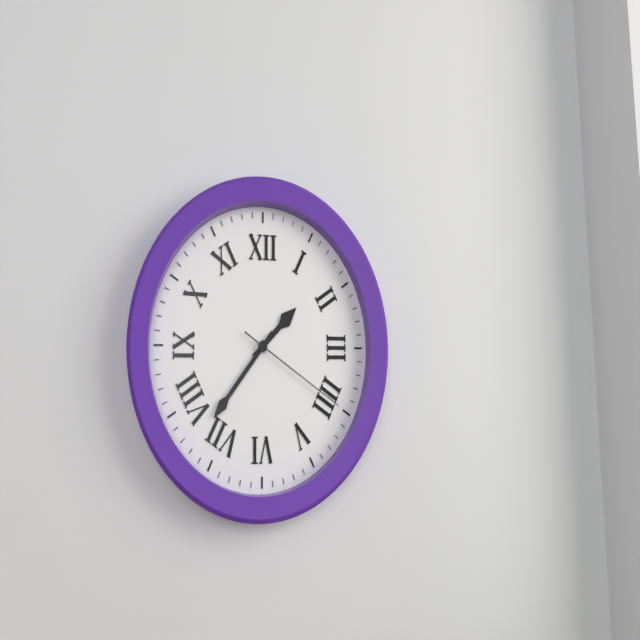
1h37m20s
